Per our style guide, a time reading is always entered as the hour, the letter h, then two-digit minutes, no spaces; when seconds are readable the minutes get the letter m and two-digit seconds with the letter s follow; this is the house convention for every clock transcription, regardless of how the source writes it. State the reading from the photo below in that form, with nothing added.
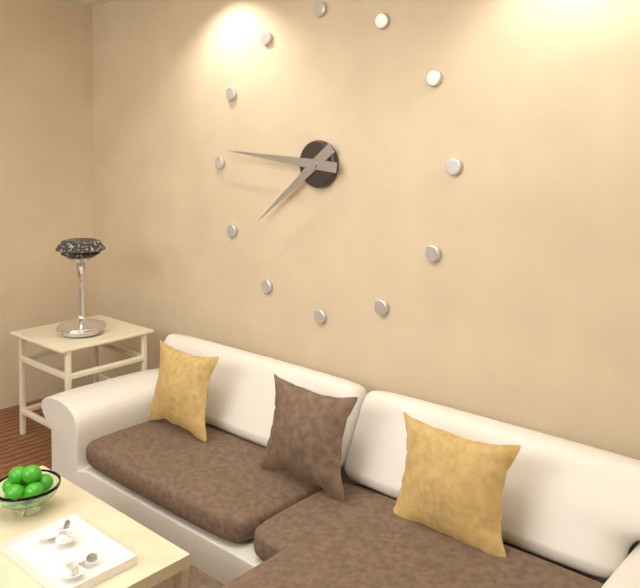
7h46
